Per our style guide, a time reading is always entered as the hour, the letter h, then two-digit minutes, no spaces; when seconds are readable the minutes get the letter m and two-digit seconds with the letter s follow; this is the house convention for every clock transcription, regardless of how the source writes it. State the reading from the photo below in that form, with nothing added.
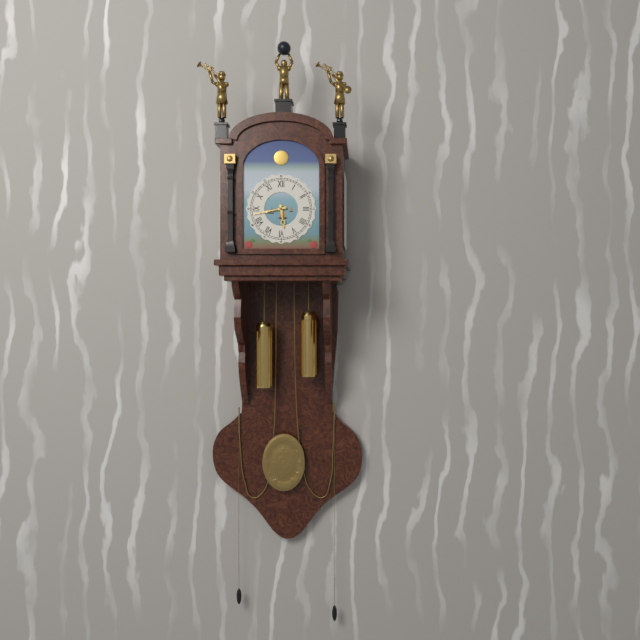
5h43
